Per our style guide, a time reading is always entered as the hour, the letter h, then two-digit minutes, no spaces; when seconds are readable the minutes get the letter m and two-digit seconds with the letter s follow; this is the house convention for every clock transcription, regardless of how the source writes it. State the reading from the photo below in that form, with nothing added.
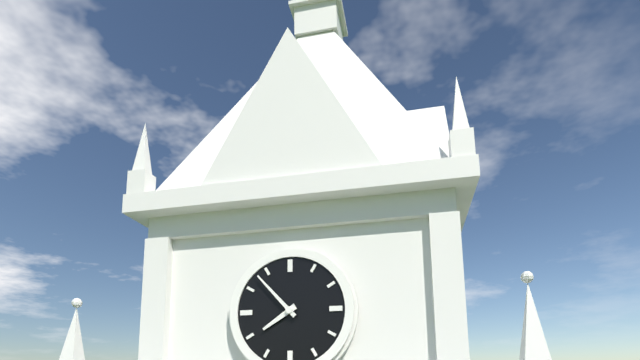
7h53
